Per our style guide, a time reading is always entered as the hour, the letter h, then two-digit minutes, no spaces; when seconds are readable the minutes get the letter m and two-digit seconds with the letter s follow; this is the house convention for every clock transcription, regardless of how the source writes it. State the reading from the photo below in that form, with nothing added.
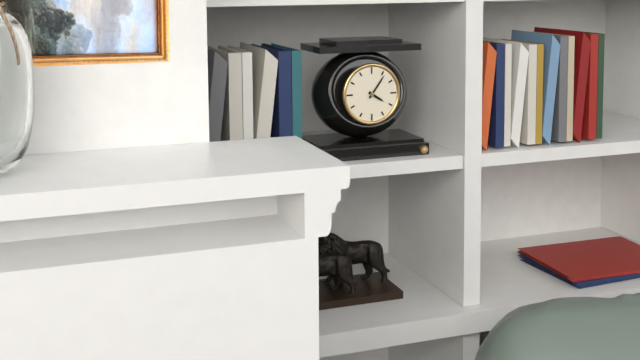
4h06
